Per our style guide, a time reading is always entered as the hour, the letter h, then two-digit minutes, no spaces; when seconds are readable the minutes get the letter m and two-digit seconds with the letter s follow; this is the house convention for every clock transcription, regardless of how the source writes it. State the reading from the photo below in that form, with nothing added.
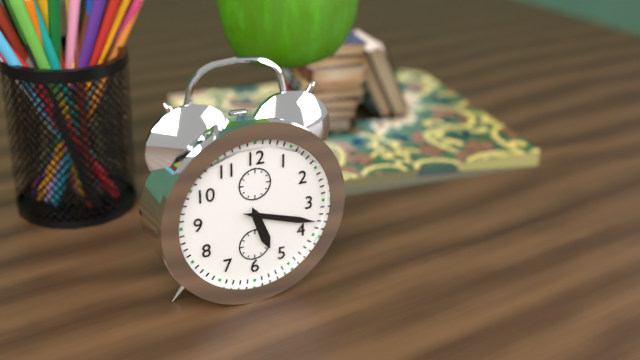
5h18
